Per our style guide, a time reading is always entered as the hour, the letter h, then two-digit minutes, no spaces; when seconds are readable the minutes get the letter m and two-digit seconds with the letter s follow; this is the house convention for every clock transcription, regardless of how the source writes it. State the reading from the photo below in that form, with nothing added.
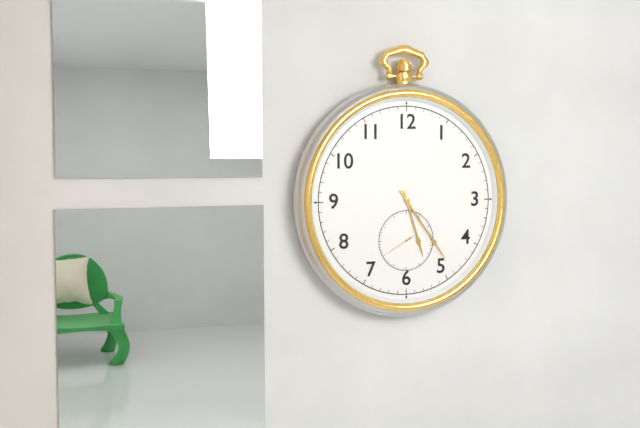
5h24
